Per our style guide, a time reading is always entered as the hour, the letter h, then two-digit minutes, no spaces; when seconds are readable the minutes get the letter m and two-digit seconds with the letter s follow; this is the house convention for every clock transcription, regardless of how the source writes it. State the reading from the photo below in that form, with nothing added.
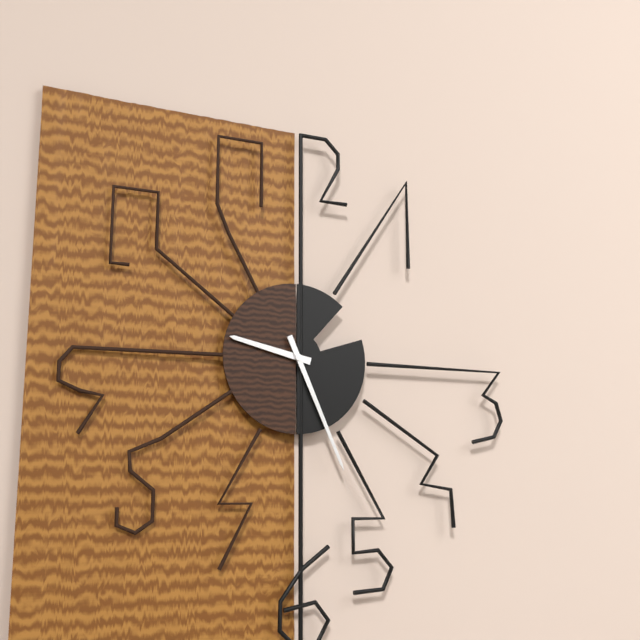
9h26
